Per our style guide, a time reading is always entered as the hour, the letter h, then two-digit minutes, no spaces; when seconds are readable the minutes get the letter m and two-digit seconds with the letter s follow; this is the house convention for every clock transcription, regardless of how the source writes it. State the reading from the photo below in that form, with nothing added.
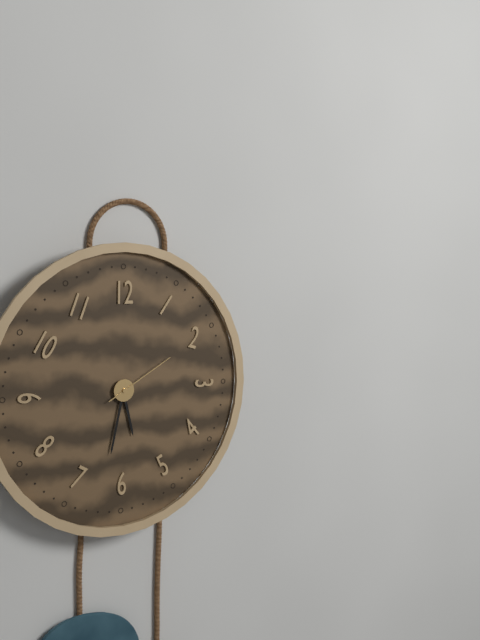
5h32m10s
